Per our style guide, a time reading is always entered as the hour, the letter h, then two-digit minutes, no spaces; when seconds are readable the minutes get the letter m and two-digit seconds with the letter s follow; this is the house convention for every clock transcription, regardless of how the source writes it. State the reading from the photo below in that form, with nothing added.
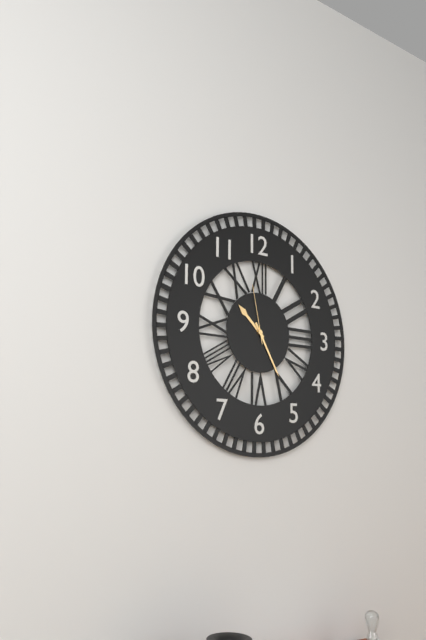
10h25m58s
